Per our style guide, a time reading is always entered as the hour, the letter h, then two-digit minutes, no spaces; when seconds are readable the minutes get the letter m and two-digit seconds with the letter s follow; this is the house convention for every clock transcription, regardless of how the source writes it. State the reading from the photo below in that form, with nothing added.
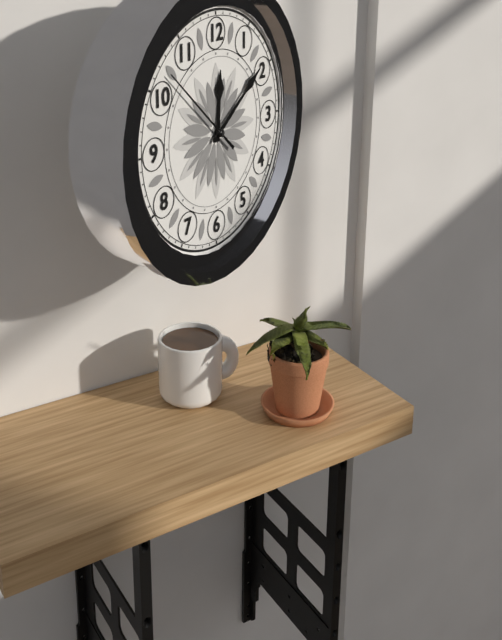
12h09m52s
